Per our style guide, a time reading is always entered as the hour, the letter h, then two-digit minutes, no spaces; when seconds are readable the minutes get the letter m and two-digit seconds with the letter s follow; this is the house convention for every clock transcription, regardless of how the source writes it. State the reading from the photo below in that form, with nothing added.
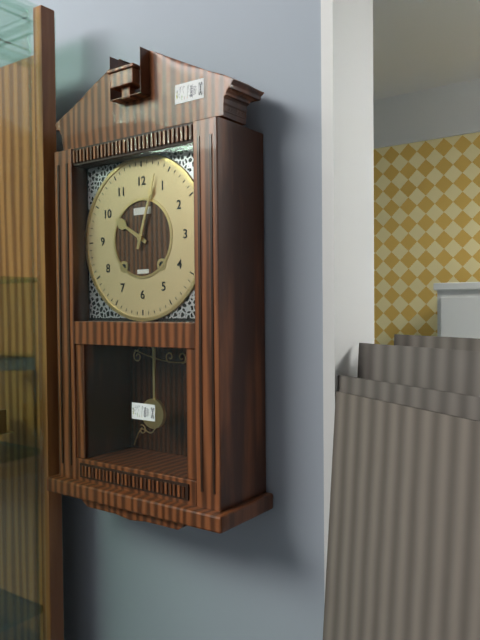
10h03
